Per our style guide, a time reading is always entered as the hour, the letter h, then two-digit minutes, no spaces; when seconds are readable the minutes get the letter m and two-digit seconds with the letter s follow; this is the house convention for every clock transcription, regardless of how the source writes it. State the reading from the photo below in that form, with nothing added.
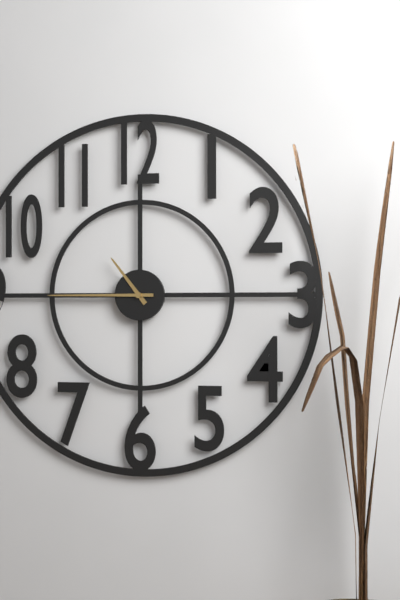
10h45
